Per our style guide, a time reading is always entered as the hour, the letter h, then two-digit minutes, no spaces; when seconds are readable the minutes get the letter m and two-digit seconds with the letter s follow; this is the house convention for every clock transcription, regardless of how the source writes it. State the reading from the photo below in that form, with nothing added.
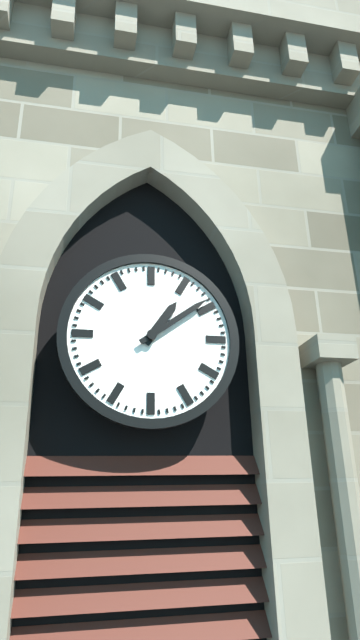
1h09
